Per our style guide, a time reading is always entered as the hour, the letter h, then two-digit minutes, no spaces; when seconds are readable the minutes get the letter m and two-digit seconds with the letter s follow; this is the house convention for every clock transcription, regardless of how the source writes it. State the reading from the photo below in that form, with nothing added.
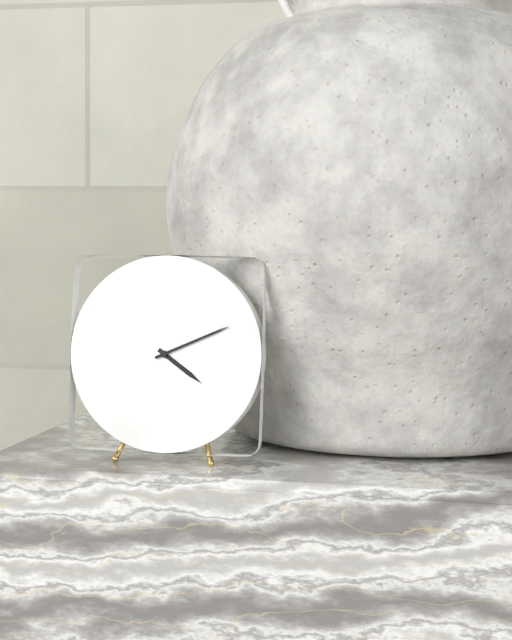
4h11
